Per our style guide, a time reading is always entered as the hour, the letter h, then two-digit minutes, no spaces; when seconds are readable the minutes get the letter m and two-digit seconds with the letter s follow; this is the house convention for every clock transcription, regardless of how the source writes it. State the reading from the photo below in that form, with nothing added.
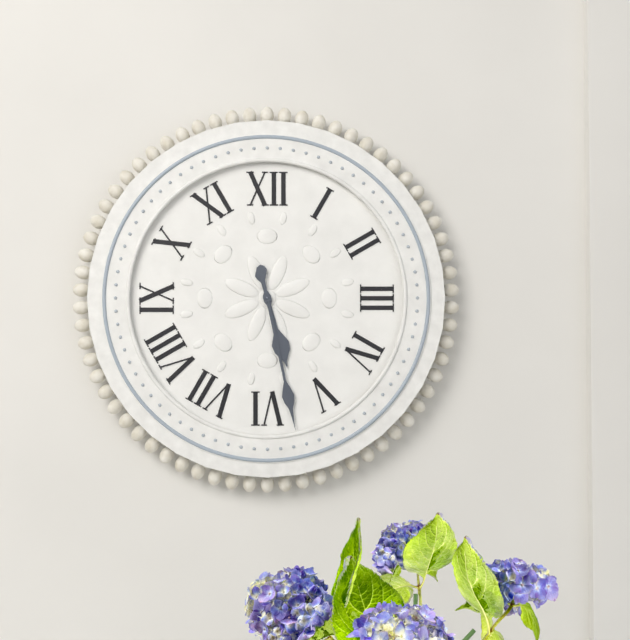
5h28
